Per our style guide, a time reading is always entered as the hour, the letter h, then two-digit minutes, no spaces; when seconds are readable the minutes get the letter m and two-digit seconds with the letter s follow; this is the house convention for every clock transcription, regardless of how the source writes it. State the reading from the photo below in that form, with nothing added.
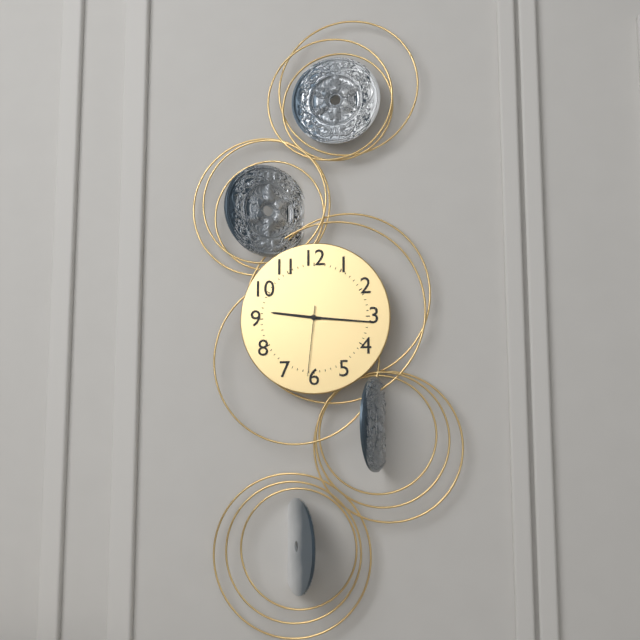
9h16m31s
